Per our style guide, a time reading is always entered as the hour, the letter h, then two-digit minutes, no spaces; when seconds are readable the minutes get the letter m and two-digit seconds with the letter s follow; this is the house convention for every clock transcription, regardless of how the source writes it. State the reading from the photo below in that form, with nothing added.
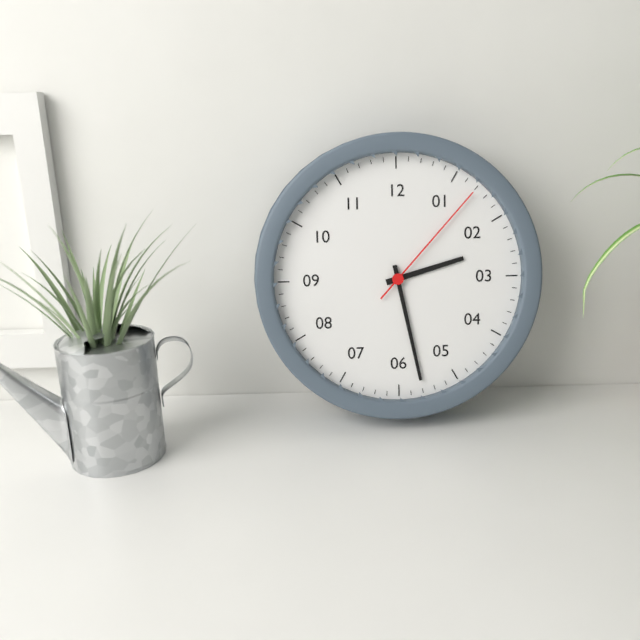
2h28m07s
